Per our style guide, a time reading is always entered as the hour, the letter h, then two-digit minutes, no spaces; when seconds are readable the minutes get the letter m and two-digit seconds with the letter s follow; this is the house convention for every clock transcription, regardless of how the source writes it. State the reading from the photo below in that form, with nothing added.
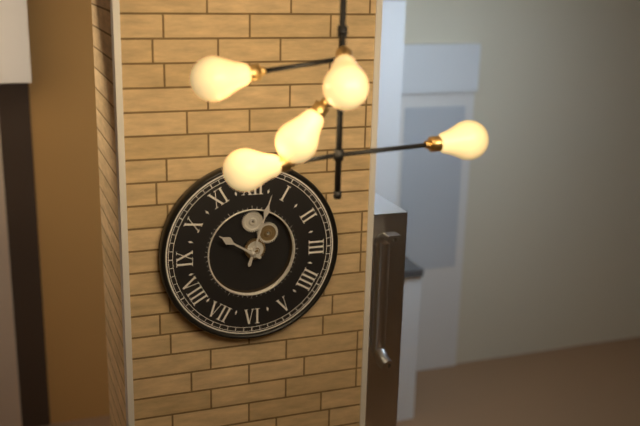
10h03
